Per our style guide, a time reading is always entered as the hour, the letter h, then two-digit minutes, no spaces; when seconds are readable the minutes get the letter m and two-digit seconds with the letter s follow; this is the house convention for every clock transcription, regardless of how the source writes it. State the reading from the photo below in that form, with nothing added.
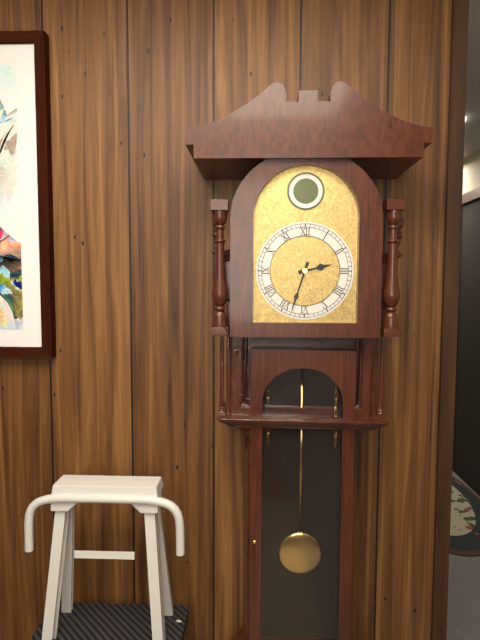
2h33
